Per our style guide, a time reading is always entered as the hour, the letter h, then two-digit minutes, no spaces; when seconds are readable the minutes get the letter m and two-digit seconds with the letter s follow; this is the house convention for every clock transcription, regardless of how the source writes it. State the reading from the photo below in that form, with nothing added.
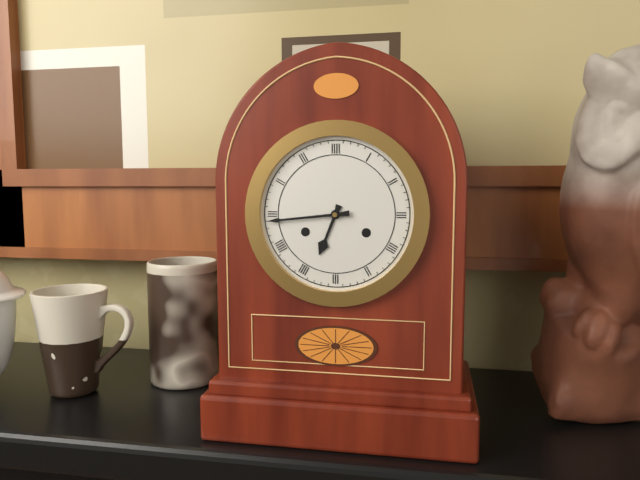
6h44
